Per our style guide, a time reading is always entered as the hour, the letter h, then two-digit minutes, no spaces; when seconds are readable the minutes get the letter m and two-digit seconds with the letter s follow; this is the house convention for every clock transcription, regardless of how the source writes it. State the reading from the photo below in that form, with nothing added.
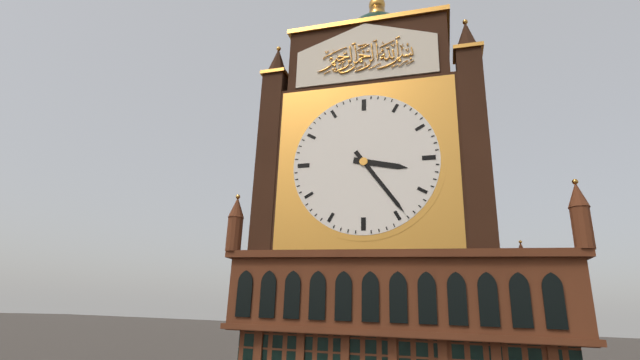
3h24
